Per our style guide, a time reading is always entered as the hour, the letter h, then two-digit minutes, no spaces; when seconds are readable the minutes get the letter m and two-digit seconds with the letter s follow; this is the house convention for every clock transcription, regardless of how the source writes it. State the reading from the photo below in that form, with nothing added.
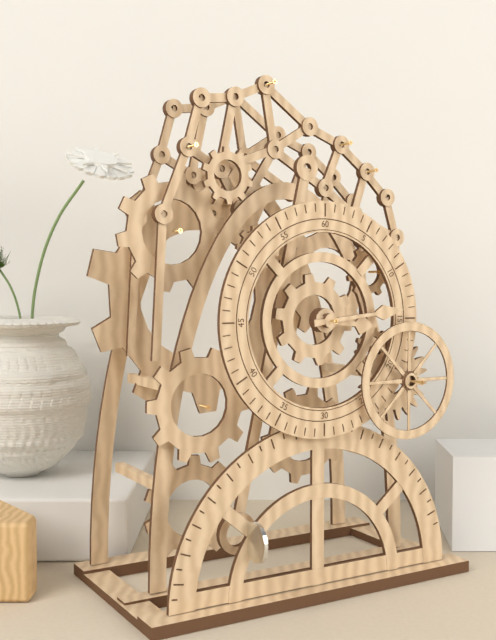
3h14
